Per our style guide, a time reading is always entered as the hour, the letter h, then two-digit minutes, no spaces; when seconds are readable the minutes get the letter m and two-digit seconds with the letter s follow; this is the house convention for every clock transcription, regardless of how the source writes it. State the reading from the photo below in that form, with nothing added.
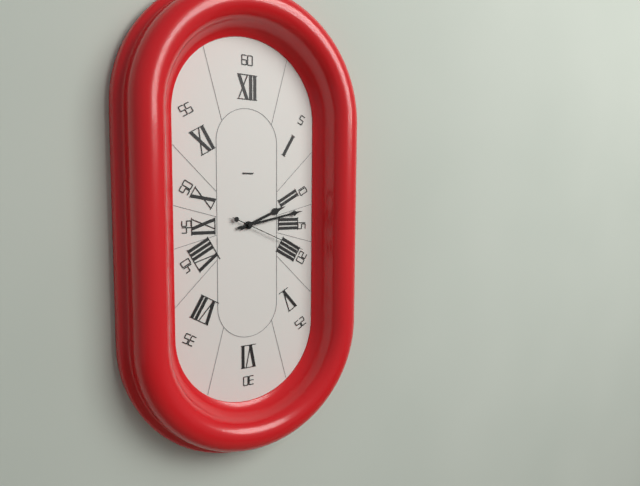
2h13m19s
